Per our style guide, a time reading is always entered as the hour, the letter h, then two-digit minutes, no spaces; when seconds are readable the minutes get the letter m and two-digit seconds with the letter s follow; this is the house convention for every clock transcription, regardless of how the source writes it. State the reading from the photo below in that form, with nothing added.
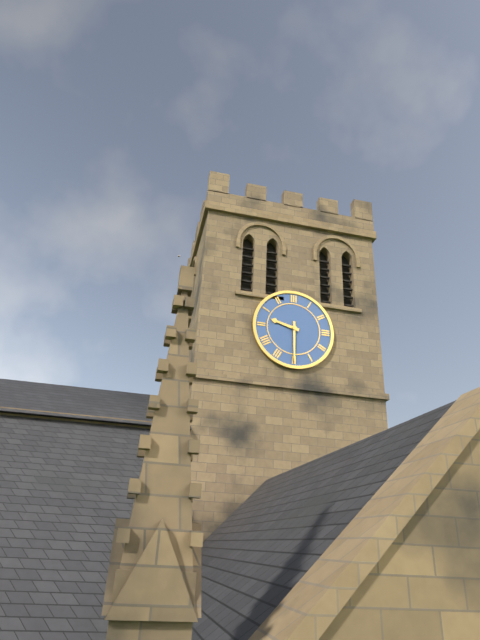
9h30
